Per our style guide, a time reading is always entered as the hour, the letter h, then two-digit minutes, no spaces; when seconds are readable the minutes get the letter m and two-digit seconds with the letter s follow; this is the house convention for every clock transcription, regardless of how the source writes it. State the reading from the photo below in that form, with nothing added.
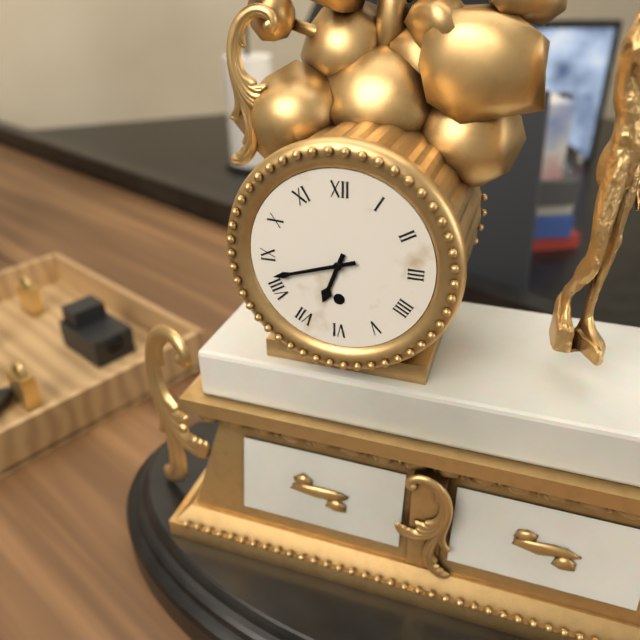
6h42
